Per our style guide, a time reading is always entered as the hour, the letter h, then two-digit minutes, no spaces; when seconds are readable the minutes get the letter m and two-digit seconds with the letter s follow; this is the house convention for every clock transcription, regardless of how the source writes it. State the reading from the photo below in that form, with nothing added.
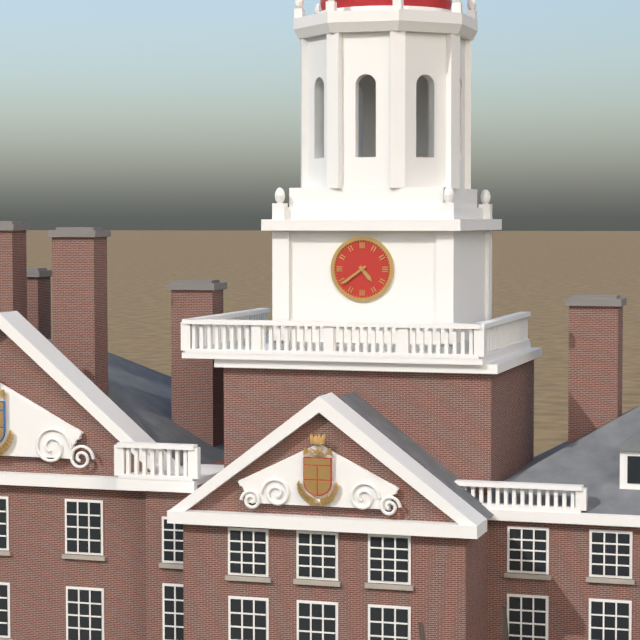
4h39
